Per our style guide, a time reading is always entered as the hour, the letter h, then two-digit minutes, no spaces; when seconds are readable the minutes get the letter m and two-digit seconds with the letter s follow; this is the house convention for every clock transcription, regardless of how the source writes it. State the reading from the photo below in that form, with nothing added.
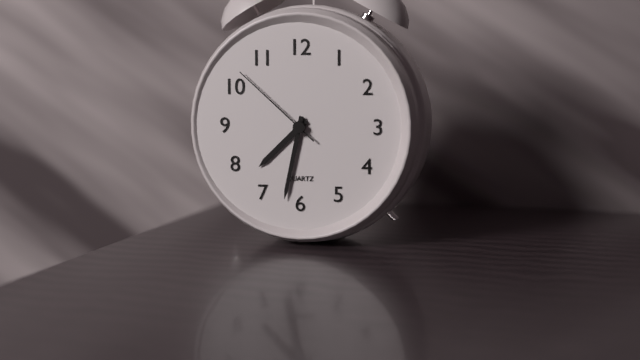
7h32m52s
